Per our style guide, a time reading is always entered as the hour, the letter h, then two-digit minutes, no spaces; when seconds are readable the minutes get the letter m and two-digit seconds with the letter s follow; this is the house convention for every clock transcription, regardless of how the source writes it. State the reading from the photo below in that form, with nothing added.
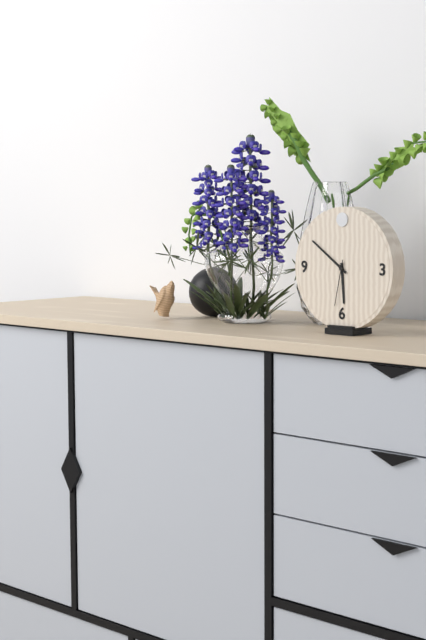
5h51
